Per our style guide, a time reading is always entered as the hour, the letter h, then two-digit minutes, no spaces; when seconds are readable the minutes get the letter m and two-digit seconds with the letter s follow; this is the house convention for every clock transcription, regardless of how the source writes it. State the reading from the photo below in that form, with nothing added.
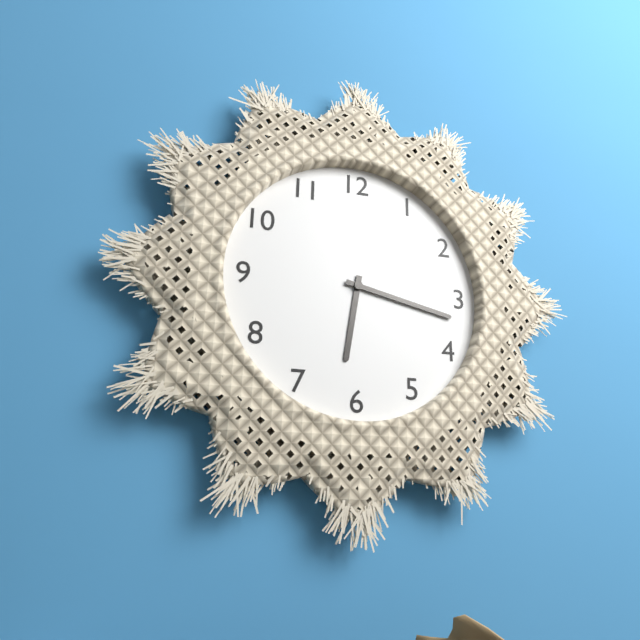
6h17
